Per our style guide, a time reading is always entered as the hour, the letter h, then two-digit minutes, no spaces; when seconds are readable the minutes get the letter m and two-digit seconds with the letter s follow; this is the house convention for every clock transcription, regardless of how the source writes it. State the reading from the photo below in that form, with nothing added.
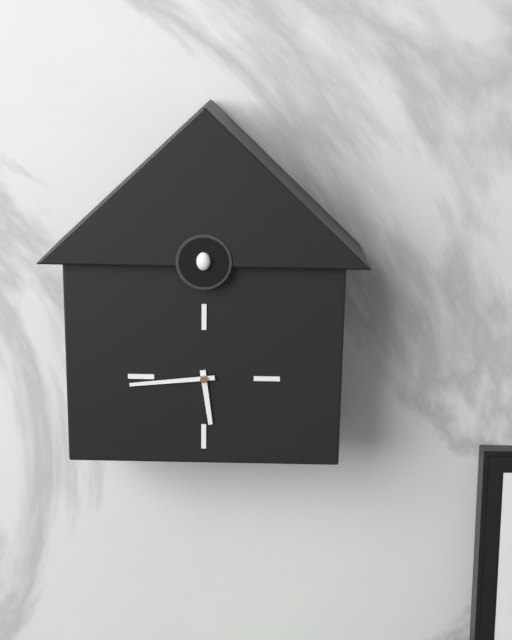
5h44
